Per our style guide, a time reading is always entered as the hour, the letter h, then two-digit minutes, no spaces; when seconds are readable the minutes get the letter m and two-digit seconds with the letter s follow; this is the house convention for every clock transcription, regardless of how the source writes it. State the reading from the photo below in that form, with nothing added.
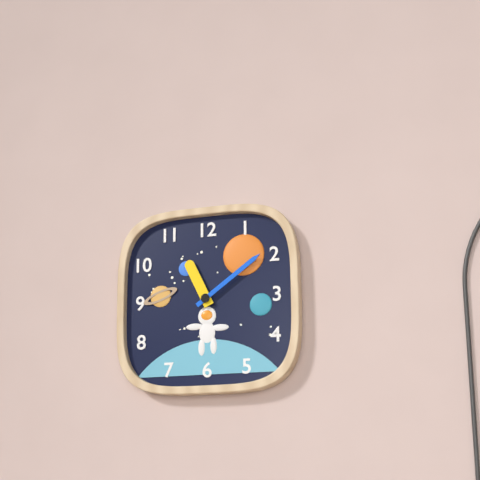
11h09
